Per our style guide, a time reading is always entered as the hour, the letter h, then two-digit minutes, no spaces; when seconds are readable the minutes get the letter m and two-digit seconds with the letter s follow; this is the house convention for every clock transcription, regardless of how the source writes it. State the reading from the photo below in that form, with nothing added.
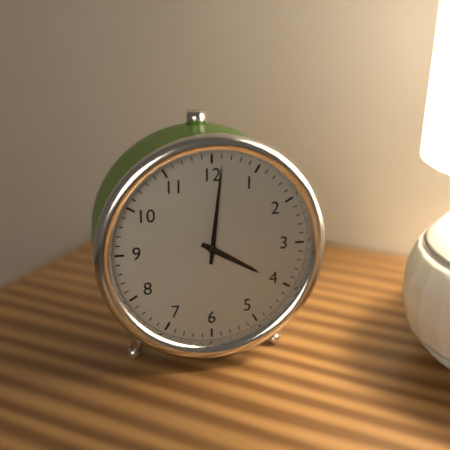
4h01
